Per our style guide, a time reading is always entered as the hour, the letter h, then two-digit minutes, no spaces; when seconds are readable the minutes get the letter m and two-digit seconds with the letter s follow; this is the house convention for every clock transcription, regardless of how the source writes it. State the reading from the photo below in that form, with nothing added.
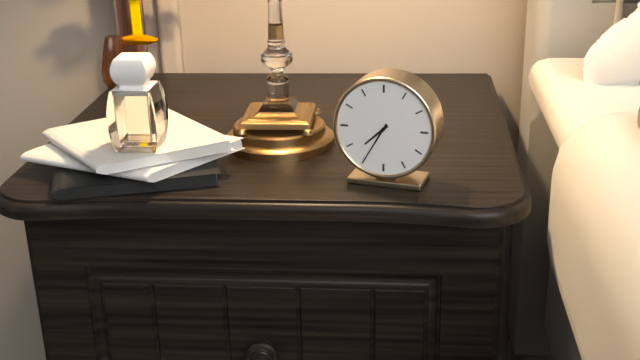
7h35
